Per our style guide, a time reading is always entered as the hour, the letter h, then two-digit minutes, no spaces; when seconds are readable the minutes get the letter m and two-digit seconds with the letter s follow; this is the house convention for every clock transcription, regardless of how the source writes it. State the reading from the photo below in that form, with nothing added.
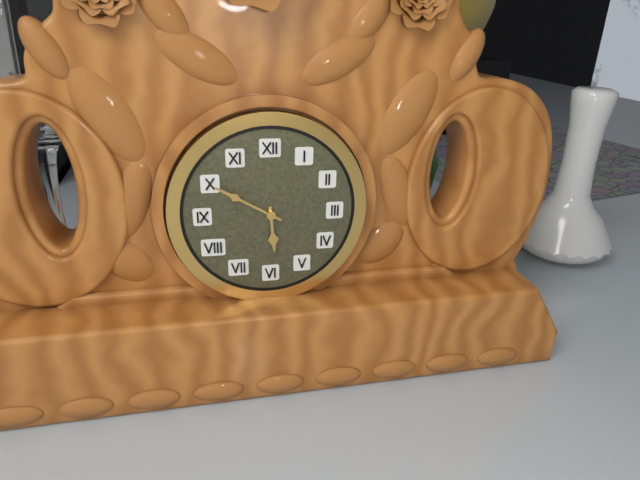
5h50
